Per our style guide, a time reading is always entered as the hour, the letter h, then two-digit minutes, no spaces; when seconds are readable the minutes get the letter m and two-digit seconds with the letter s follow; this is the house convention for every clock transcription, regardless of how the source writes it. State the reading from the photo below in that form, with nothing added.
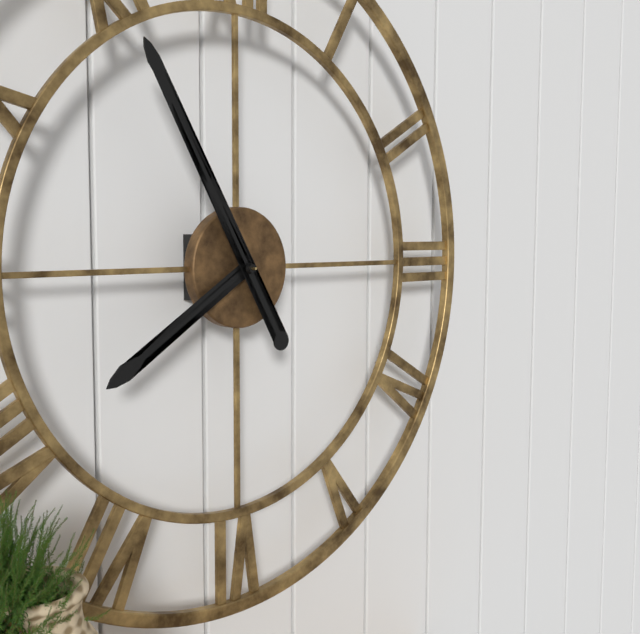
7h55
